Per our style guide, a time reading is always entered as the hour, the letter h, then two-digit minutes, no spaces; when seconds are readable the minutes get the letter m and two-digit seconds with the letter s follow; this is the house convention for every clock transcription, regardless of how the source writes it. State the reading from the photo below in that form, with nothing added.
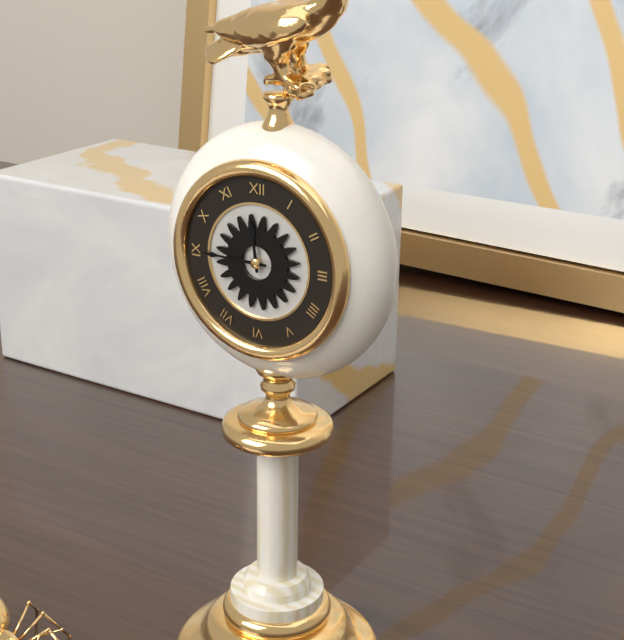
11h45
